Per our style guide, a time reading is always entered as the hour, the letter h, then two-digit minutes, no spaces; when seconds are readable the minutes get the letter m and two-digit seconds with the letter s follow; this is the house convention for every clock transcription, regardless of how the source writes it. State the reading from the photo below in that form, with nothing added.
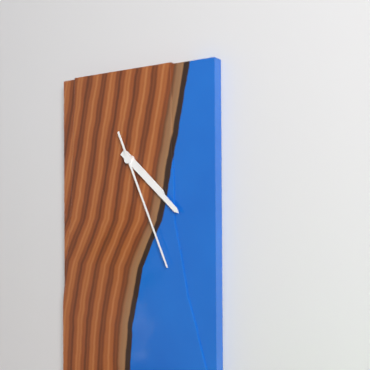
4h22m26s
